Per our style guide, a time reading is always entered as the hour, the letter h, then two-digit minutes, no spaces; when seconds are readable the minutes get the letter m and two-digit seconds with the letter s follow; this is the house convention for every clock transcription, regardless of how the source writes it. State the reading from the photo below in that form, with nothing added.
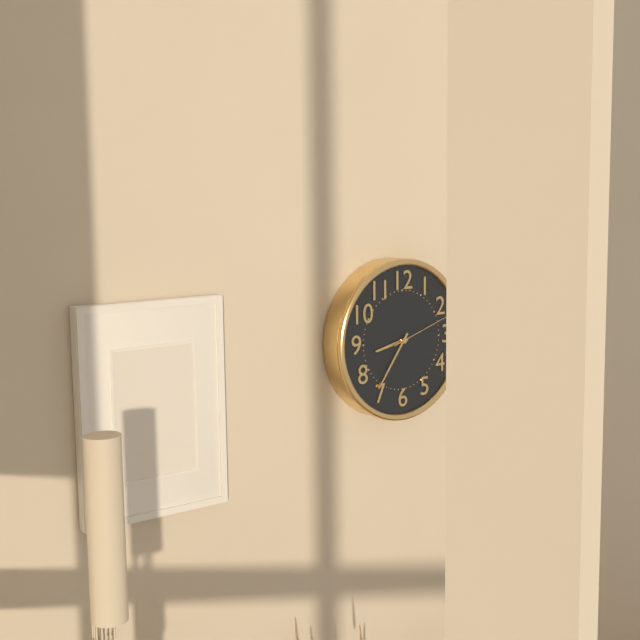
8h36m12s
